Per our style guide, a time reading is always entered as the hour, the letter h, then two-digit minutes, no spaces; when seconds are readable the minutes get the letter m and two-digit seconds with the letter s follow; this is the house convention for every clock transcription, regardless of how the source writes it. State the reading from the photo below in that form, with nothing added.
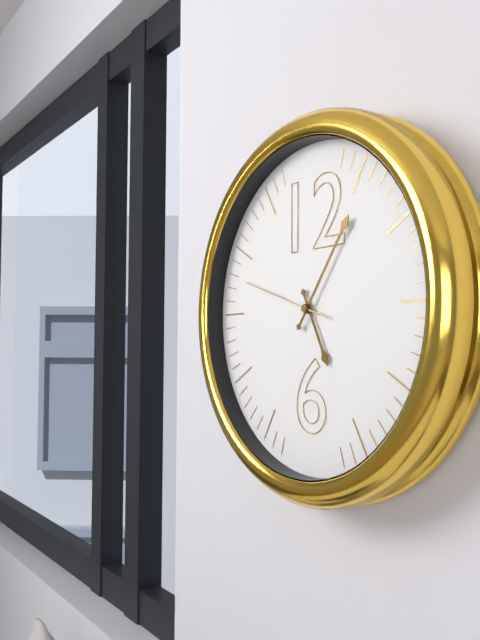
5h06m48s
